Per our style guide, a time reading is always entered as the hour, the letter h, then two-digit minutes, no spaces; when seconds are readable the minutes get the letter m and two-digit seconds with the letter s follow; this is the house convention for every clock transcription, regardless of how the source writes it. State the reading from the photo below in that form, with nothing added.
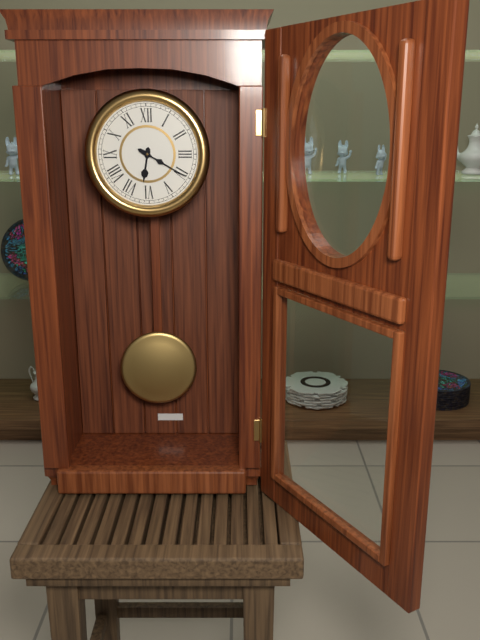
6h20
